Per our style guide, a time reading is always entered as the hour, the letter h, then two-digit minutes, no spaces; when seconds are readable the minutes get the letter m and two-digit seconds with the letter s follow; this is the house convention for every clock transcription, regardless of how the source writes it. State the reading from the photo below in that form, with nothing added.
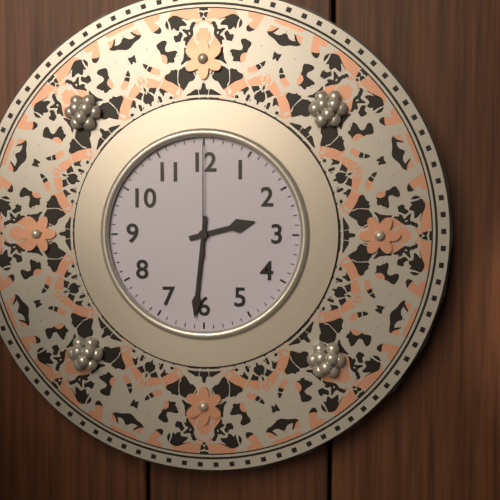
2h31m00s
